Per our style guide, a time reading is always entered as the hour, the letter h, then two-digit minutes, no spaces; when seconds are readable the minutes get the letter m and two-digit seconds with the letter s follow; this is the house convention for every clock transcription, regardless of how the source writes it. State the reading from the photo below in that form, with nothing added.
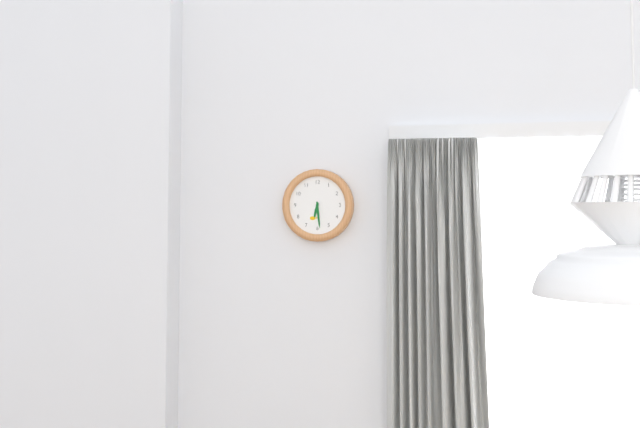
6h29
